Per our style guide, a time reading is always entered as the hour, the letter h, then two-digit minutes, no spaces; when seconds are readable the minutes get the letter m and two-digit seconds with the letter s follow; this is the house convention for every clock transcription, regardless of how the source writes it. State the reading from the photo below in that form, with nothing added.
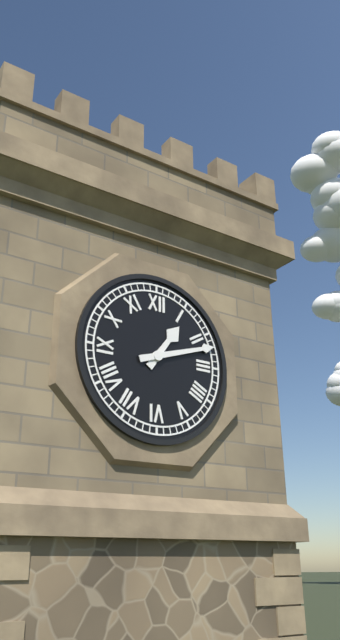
1h12
